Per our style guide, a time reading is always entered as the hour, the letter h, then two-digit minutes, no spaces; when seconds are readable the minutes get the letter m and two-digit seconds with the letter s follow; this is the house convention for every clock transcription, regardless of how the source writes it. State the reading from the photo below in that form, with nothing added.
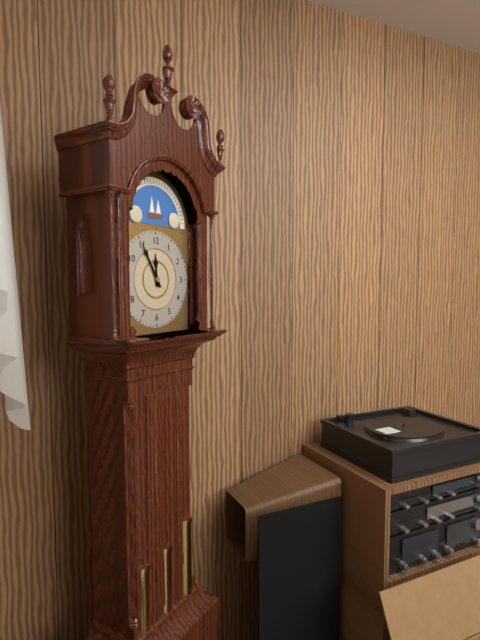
11h55
